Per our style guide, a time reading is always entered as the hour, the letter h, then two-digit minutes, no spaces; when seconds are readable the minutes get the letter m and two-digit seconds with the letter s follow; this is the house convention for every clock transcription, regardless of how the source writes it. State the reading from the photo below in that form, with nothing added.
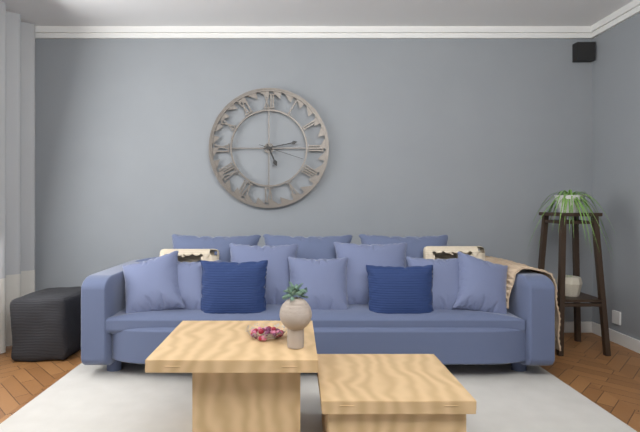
5h13
